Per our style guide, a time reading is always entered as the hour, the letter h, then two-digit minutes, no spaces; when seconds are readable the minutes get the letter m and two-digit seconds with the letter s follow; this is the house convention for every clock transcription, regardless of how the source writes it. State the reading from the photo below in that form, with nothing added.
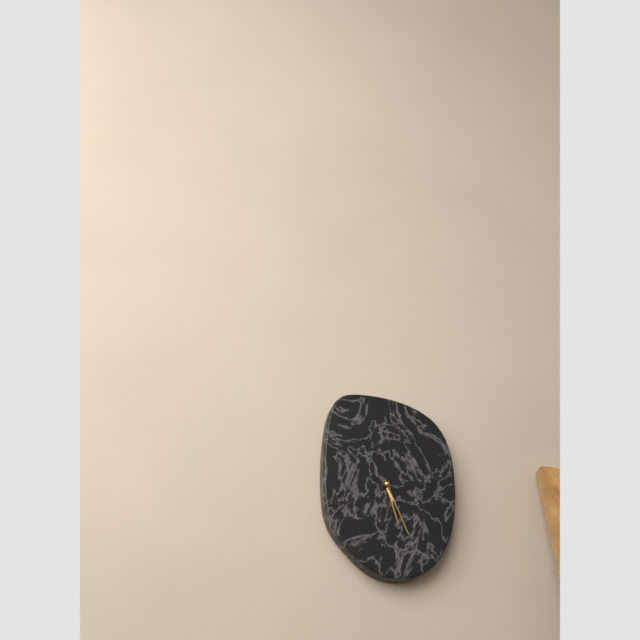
5h26
